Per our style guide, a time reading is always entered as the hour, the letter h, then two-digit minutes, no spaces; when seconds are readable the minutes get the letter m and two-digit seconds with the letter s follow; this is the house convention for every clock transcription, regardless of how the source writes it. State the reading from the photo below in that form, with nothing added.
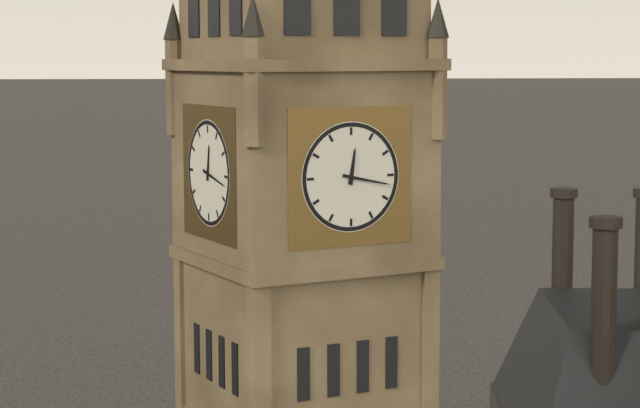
12h17
